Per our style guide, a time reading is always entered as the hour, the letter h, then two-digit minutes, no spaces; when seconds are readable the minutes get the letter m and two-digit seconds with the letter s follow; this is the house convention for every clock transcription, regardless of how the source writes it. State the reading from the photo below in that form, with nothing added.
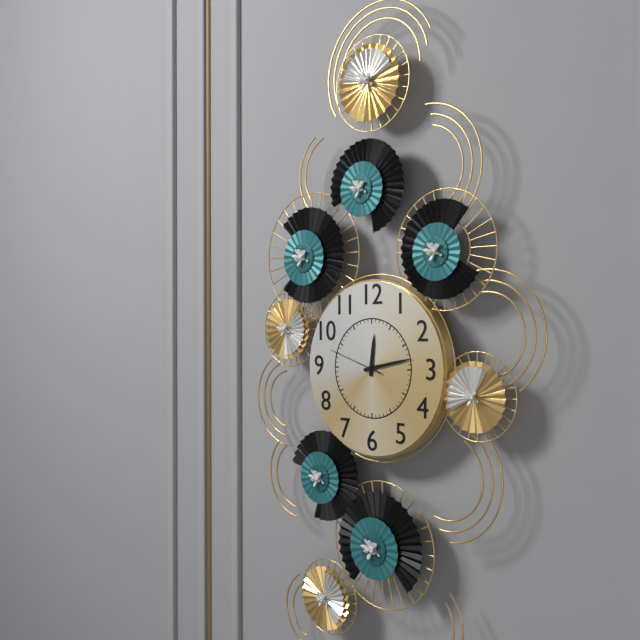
12h13m48s
